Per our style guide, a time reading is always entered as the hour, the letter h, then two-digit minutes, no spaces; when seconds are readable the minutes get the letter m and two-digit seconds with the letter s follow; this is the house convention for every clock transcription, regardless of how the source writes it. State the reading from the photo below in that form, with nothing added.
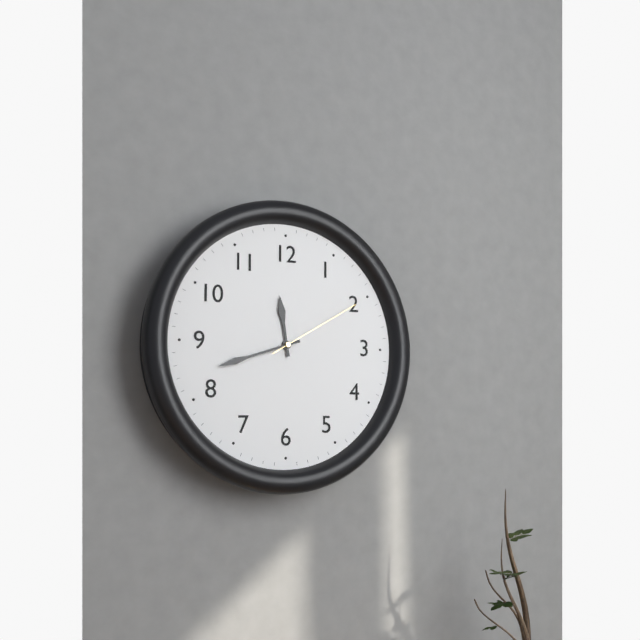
11h42m10s
